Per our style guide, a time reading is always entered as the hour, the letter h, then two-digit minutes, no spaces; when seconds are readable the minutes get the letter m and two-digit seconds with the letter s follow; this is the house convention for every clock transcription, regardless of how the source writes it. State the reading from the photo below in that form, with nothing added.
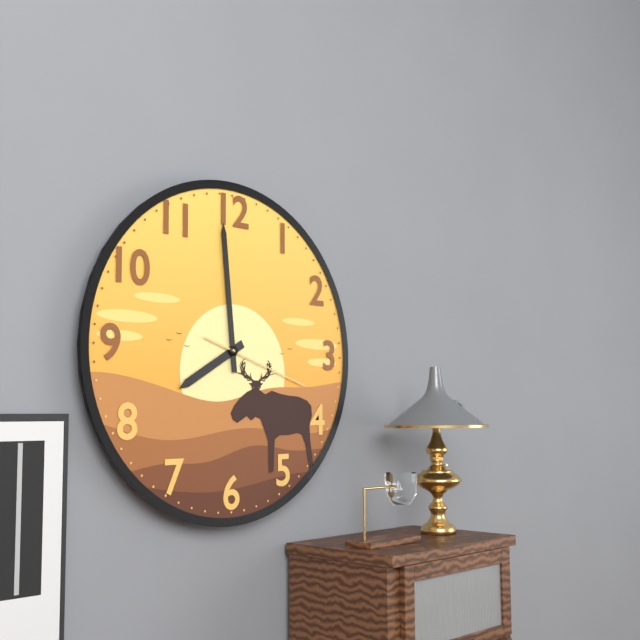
7h59m18s
